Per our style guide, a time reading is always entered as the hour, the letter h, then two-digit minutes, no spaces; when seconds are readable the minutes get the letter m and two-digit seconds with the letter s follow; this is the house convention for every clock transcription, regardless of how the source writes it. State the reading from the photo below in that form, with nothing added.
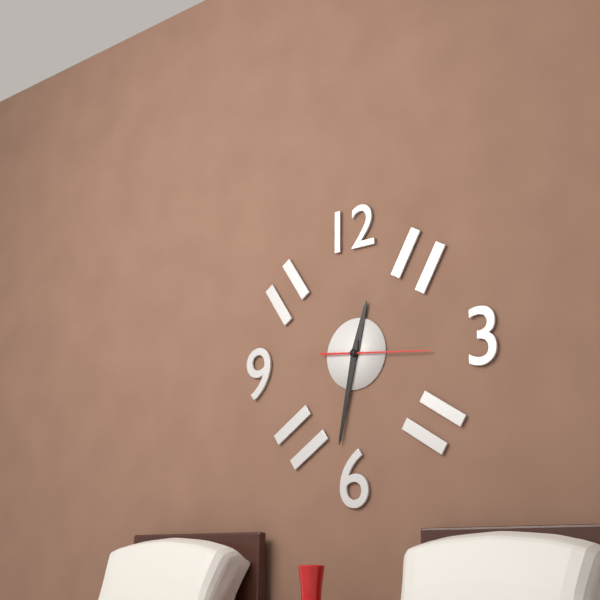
12h32m16s
